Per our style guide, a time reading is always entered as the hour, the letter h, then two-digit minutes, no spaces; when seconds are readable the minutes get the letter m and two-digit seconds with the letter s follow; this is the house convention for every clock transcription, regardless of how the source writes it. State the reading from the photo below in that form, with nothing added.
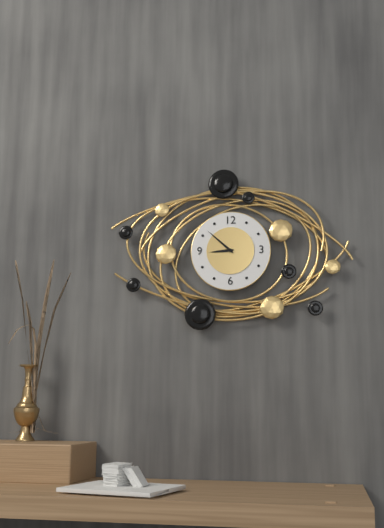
8h52
